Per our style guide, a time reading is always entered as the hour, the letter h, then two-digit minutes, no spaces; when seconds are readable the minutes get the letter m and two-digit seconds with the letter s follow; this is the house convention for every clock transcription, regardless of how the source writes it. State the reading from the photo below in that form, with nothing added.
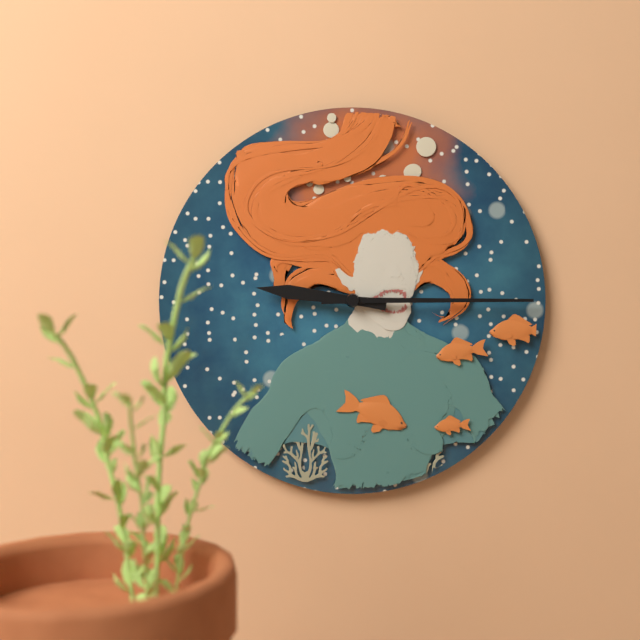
9h15
